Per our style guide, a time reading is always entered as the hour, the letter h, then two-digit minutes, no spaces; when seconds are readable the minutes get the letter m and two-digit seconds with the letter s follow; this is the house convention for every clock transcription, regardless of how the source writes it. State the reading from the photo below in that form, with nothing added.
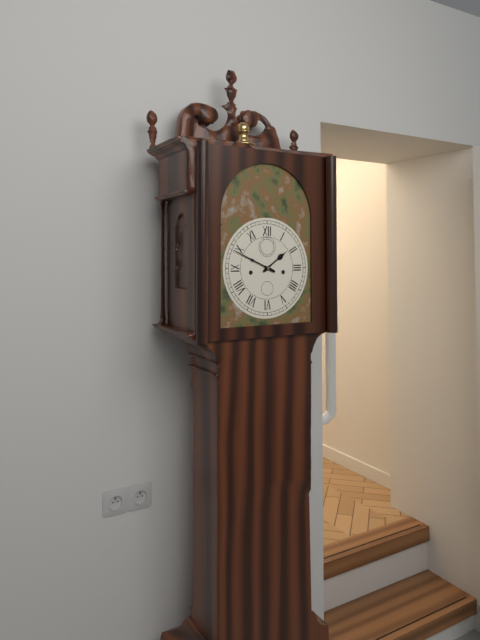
1h49
